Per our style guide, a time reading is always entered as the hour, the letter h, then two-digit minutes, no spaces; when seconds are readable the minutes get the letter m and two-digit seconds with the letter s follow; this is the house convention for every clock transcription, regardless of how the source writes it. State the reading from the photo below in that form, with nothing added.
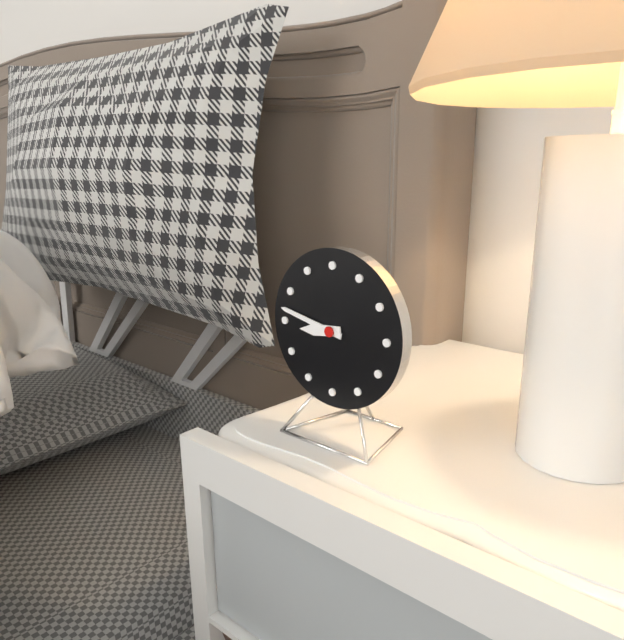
8h47
